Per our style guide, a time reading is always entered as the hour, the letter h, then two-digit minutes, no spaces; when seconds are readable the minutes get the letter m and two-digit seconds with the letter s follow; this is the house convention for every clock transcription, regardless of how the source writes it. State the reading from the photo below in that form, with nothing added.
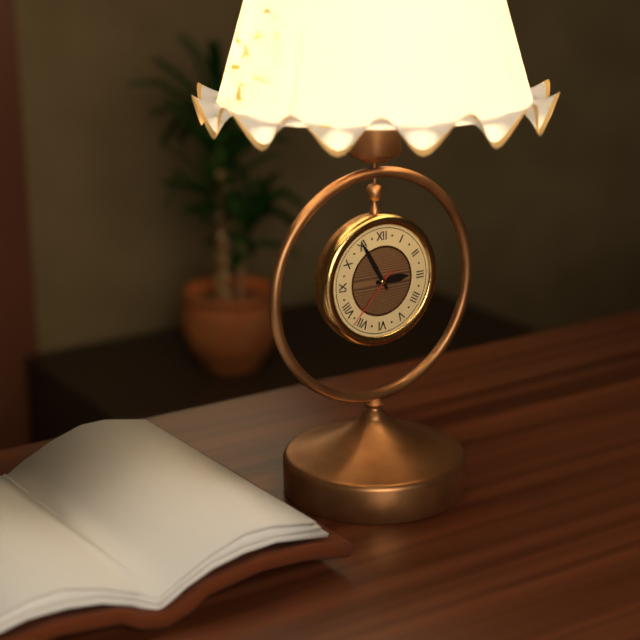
2h55m37s
